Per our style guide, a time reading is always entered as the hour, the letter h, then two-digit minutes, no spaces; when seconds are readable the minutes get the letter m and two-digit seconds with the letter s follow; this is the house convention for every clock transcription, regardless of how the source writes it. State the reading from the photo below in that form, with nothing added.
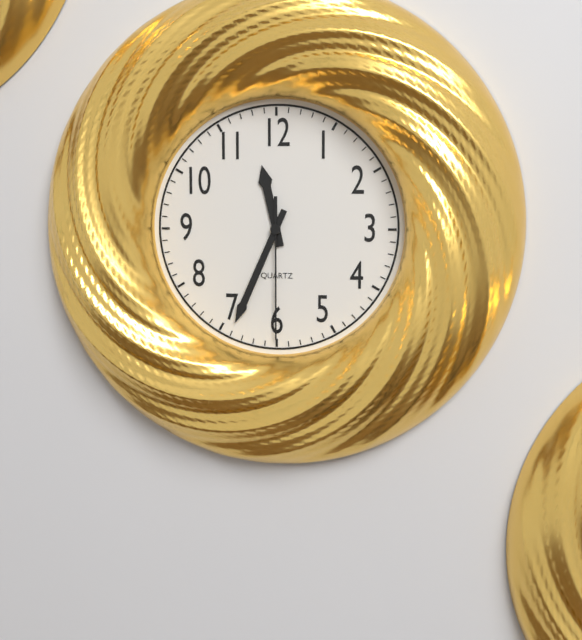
11h34m30s
